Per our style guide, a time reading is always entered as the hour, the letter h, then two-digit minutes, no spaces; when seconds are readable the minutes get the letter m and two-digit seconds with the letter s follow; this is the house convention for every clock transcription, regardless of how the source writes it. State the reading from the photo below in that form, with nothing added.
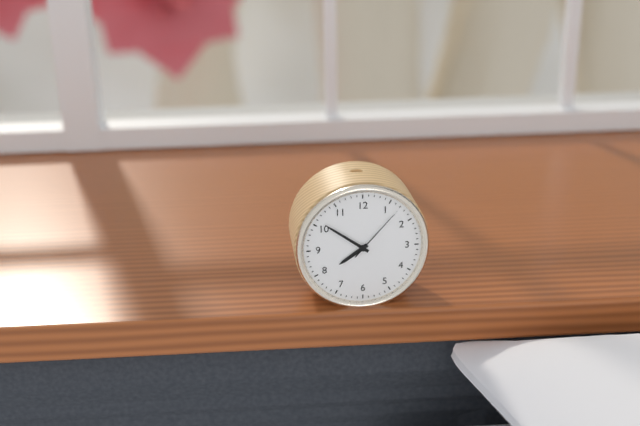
7h51m07s
